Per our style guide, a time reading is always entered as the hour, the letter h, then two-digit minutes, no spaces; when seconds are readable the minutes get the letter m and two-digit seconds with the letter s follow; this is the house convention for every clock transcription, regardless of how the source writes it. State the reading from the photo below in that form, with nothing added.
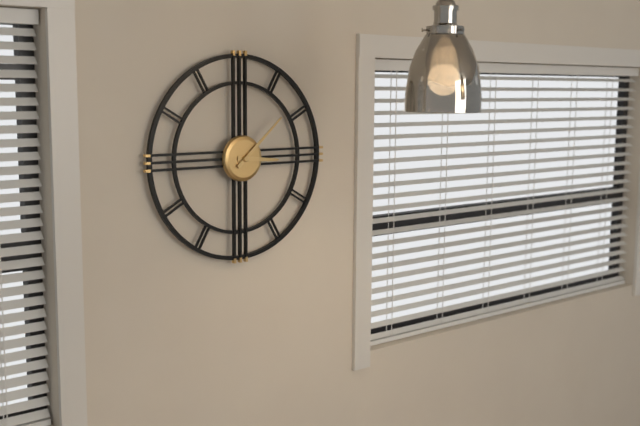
3h08
